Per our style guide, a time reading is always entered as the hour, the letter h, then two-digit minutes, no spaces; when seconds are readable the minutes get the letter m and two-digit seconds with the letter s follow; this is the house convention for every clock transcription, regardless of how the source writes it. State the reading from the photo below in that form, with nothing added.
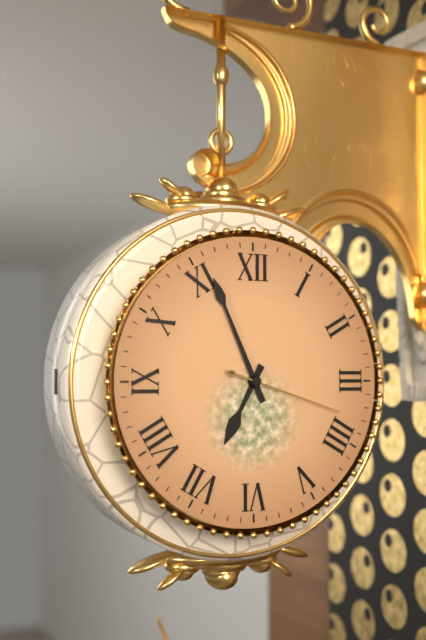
6h56m18s
